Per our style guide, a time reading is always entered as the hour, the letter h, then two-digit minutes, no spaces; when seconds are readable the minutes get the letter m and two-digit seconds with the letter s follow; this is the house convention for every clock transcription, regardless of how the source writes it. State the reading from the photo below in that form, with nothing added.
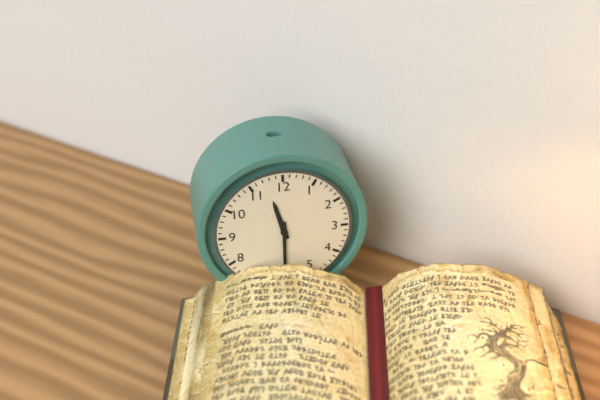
11h30
